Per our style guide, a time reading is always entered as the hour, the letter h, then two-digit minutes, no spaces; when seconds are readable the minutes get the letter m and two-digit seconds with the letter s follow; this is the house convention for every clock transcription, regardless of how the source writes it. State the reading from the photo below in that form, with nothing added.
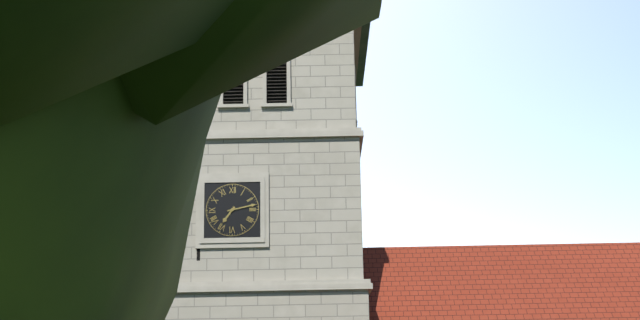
7h13
